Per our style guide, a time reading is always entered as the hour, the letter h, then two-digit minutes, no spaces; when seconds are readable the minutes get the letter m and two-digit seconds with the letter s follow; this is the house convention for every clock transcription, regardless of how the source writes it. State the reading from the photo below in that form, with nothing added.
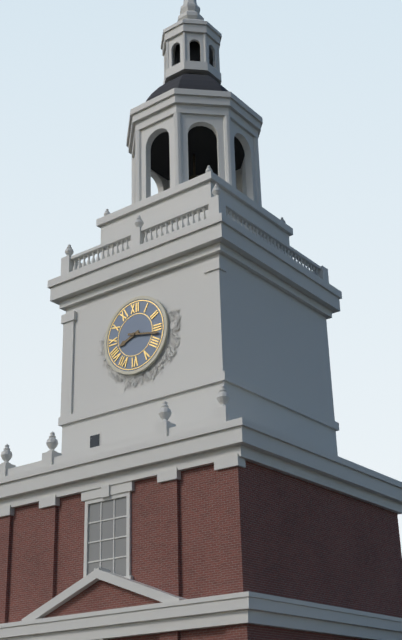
8h17
